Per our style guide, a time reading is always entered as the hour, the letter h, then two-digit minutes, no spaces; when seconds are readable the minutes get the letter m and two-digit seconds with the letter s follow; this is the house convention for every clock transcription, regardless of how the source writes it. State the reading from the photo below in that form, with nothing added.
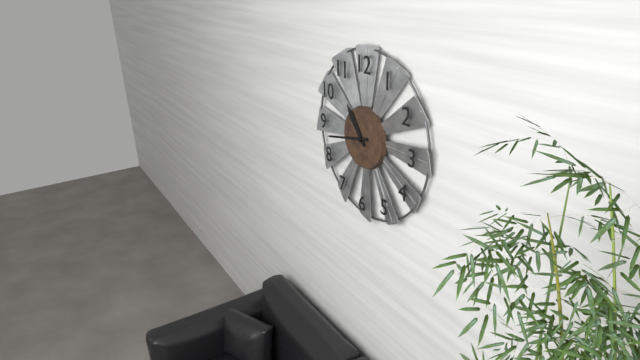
10h43
